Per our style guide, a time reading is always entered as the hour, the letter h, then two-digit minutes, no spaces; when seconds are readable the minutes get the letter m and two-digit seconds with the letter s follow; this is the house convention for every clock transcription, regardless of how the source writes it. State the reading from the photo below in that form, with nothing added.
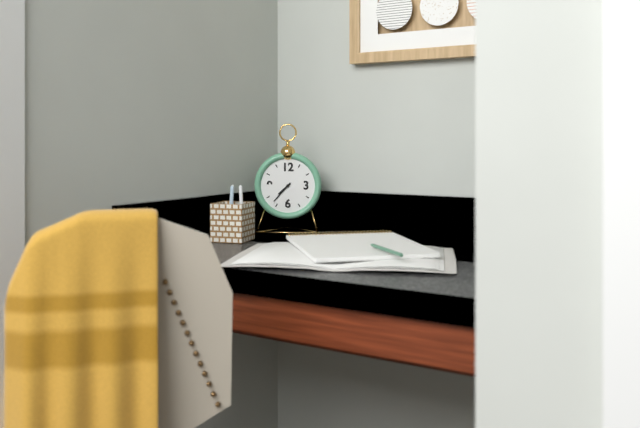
7h37
